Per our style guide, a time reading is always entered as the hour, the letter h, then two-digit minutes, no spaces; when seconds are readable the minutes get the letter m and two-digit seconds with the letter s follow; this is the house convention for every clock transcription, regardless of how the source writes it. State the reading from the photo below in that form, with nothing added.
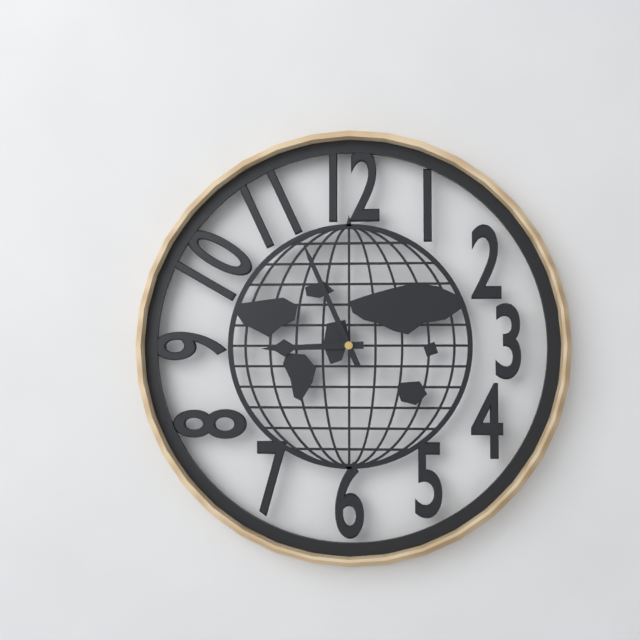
8h56
